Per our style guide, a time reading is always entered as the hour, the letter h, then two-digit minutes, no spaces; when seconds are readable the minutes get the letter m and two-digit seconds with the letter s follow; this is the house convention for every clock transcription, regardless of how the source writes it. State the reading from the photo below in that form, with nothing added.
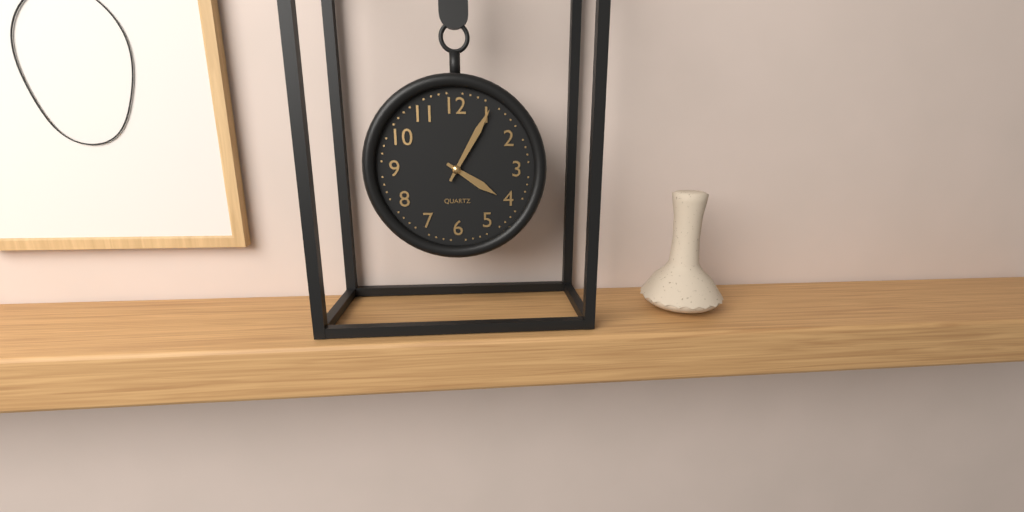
4h05
